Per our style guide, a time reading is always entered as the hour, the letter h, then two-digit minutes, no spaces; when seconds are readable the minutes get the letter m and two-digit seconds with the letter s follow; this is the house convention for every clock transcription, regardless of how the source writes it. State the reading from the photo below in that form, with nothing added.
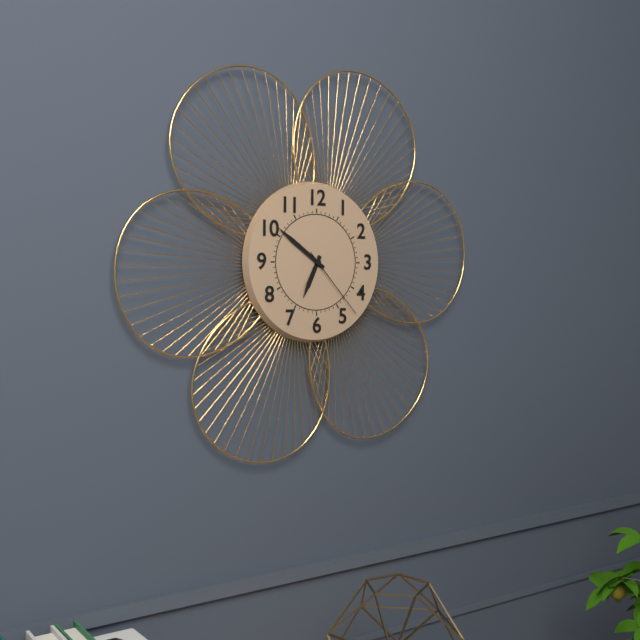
6h51m23s
